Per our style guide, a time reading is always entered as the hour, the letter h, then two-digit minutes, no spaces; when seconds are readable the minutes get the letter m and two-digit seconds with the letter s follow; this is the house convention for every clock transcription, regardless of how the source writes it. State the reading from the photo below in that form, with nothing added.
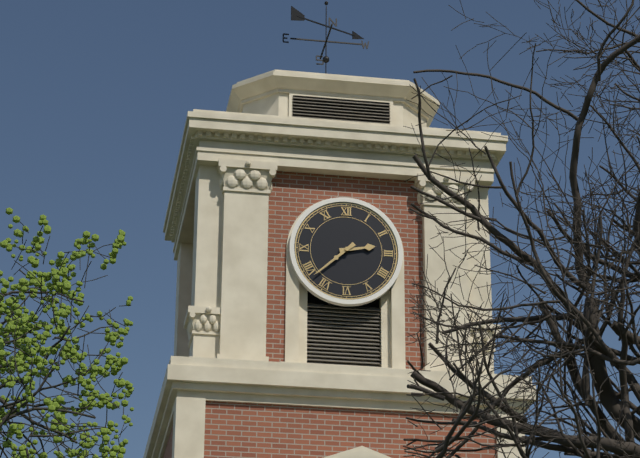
2h38
